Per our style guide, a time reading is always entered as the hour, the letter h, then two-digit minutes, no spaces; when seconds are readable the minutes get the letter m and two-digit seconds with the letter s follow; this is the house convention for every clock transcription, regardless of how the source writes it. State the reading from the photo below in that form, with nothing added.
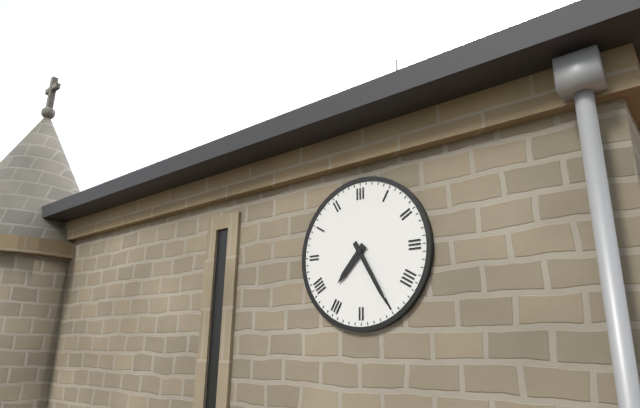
7h25
